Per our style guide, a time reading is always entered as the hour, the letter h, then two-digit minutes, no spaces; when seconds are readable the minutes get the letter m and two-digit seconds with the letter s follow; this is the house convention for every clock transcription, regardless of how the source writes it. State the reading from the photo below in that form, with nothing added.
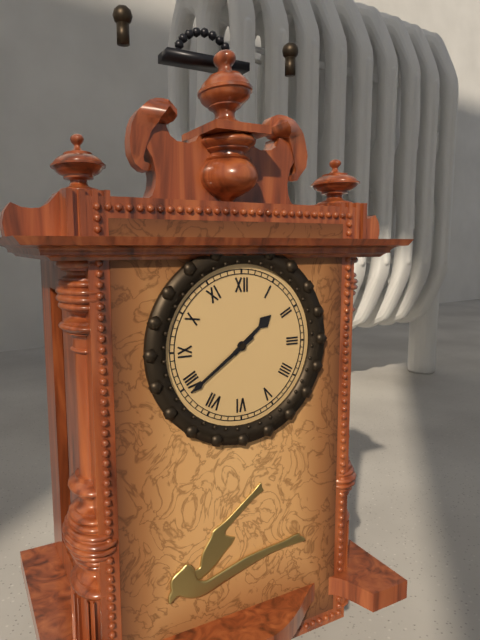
1h39
